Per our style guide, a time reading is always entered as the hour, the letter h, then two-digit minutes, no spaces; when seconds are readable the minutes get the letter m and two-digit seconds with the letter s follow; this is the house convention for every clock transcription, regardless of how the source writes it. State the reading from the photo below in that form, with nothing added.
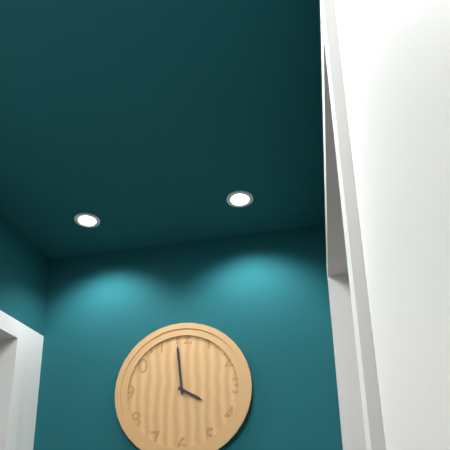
3h59
